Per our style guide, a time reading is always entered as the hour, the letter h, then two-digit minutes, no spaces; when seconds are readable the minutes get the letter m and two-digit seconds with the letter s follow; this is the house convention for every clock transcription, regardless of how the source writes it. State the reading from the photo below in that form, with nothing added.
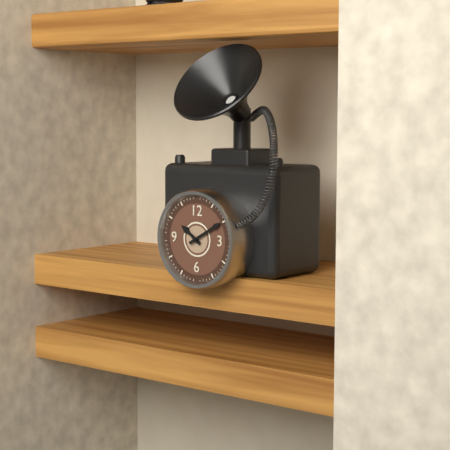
10h10
